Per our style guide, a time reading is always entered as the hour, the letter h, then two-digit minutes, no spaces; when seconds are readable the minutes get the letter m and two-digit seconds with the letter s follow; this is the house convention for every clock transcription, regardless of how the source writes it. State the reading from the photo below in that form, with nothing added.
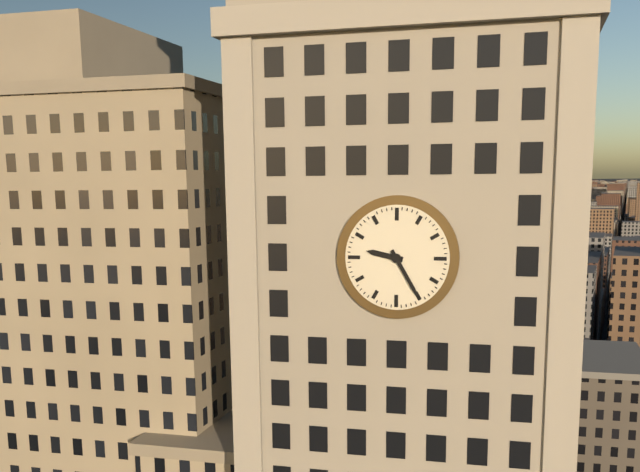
9h25
